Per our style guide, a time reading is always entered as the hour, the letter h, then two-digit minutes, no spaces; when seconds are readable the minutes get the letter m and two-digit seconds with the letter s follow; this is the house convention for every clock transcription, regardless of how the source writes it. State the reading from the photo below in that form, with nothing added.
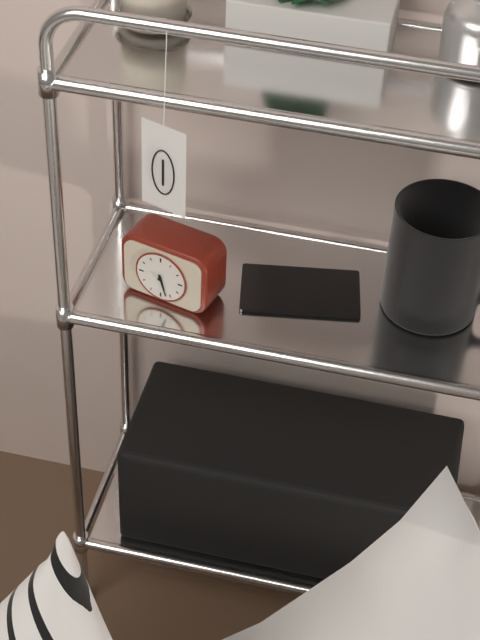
5h27
